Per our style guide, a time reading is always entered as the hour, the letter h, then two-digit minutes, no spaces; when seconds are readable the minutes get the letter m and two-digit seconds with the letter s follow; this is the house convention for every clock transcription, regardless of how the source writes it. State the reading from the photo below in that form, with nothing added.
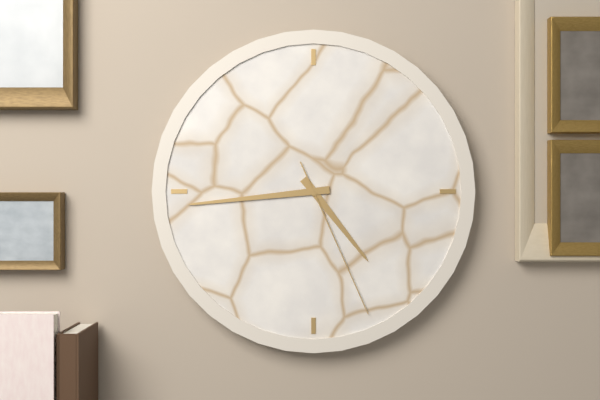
4h44m26s
